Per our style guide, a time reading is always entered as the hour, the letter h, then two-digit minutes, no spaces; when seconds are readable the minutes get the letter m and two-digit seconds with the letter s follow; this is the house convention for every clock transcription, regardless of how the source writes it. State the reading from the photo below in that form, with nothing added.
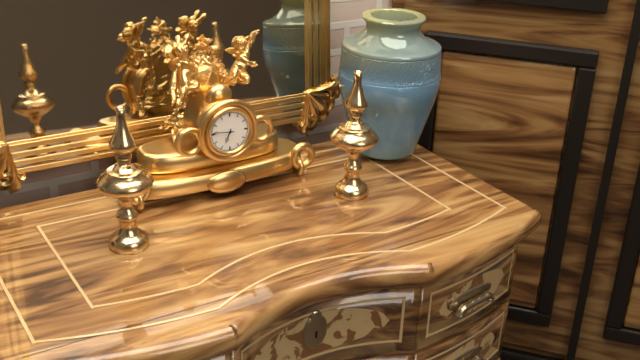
6h46
